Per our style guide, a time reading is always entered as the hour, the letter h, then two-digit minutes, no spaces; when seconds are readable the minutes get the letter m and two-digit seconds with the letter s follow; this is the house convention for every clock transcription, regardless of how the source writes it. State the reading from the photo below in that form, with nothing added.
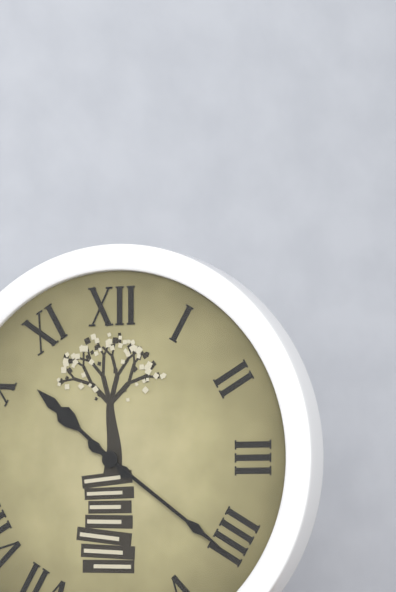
10h21
